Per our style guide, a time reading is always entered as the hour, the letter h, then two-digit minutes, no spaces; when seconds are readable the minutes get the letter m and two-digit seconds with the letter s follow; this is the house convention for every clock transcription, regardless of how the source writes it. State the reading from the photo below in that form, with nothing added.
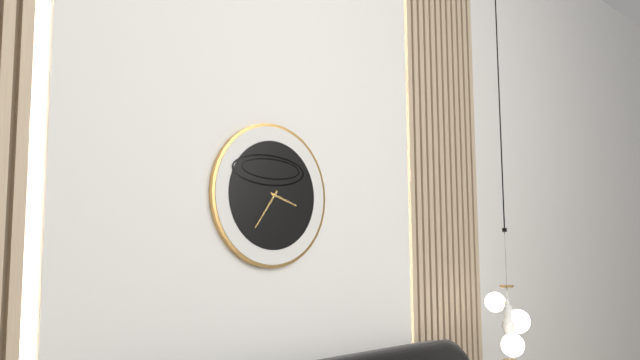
3h36
